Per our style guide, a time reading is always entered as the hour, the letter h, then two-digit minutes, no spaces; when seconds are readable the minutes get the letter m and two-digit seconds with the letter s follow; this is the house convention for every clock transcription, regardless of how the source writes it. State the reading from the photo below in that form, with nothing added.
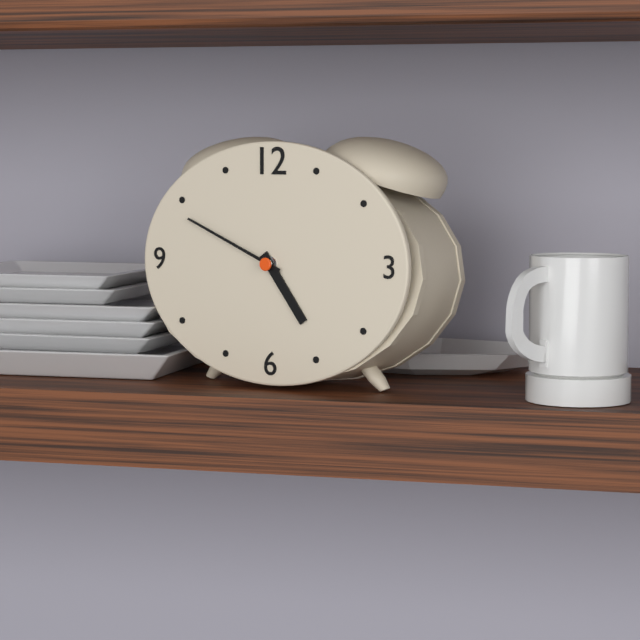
4h49
